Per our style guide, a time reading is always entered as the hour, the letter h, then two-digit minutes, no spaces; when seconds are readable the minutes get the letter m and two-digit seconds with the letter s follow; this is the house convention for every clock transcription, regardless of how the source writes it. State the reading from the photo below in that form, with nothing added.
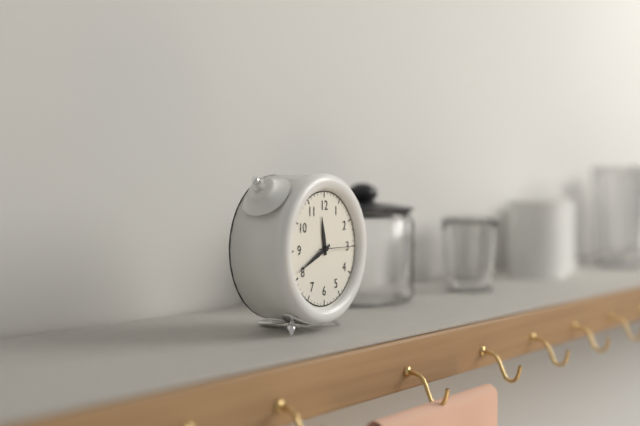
11h41
